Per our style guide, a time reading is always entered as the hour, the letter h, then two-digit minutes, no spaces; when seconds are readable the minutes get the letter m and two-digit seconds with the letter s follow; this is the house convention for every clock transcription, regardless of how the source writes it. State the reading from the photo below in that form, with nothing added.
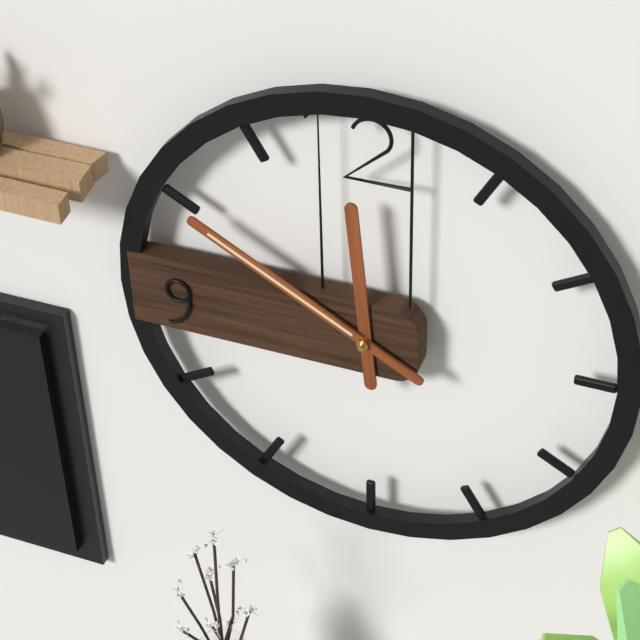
11h50
